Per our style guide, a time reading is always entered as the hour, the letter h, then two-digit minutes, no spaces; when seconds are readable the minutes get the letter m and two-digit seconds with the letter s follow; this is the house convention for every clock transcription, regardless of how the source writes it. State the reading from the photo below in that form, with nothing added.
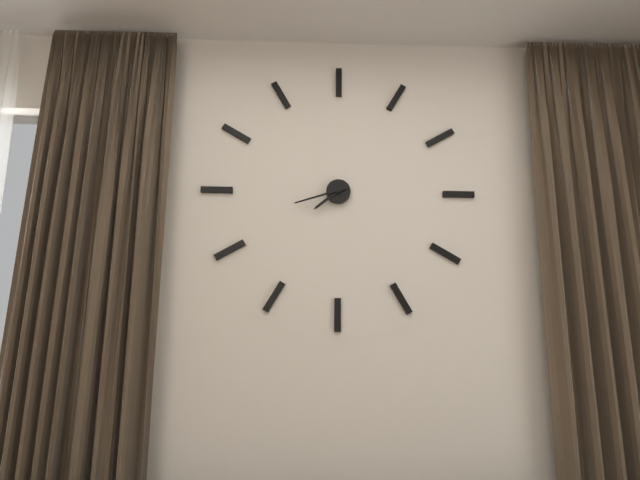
7h42
